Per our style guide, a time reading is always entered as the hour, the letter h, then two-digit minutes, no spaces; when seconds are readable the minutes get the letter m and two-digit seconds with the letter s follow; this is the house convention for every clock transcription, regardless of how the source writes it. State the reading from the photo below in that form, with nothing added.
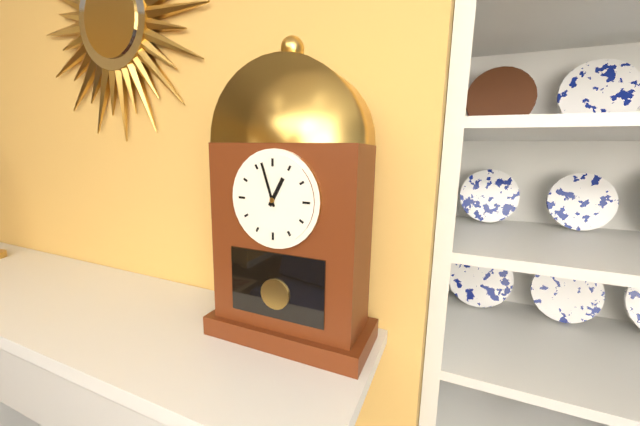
12h57
